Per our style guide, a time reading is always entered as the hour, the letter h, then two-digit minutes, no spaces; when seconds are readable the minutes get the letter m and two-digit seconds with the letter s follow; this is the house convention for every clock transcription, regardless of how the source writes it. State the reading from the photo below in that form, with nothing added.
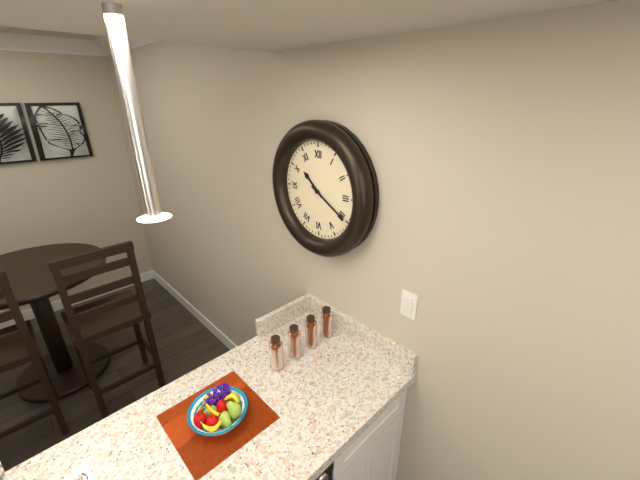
10h20
